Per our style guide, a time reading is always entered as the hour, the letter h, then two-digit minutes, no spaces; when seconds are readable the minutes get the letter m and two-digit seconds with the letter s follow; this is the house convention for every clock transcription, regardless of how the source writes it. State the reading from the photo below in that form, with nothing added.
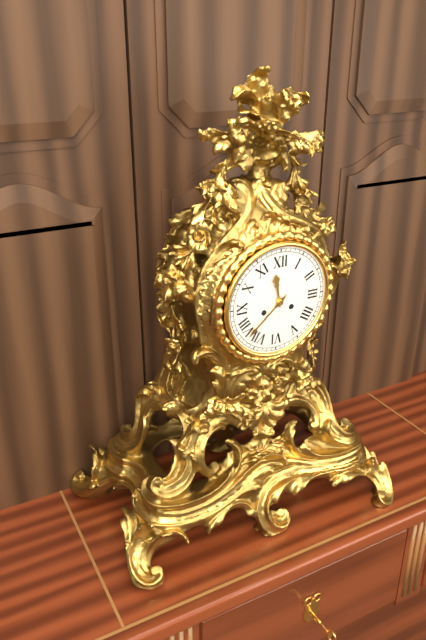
11h38
